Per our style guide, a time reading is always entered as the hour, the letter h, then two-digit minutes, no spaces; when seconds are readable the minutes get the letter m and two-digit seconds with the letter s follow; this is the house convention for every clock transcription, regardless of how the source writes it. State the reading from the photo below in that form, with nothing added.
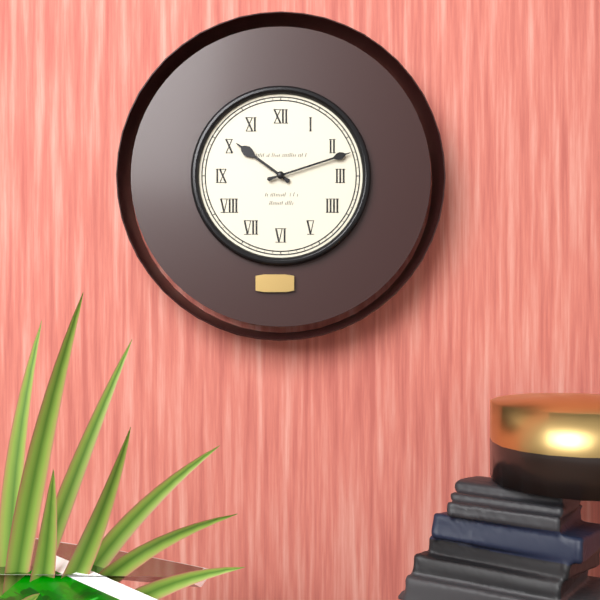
10h12
